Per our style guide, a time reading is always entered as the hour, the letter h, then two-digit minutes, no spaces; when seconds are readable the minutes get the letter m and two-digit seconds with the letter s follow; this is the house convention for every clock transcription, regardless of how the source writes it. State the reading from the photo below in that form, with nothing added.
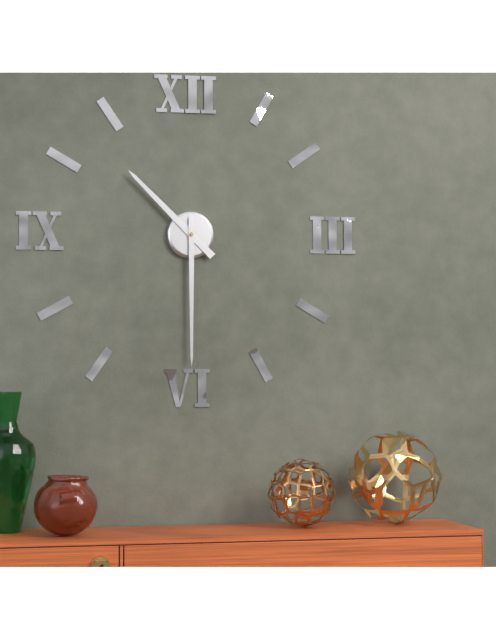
10h30
